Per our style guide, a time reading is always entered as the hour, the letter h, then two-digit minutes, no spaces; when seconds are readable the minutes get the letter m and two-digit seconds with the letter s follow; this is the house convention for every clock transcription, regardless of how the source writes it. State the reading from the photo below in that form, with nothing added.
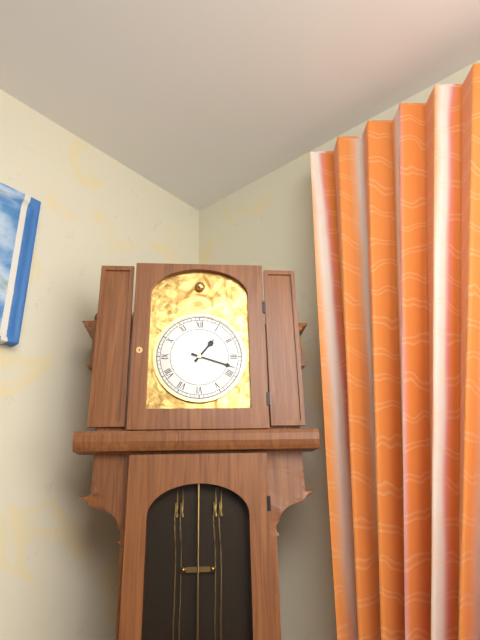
1h18
